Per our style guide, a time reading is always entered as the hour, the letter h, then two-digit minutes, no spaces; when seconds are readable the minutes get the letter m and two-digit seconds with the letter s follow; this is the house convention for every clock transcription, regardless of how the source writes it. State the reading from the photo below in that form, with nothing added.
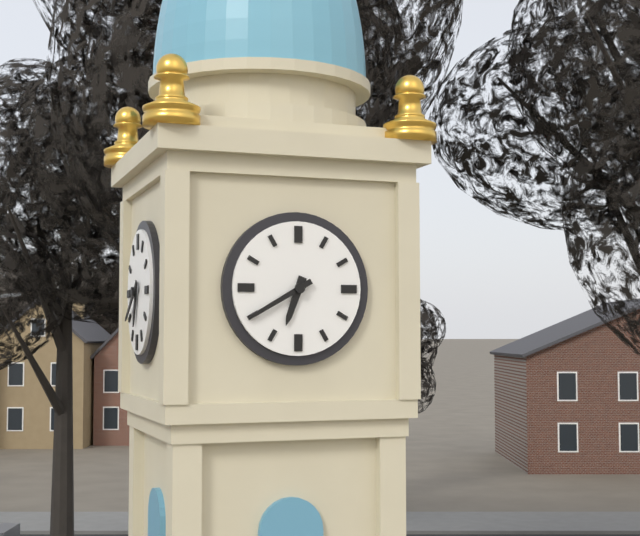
6h40
